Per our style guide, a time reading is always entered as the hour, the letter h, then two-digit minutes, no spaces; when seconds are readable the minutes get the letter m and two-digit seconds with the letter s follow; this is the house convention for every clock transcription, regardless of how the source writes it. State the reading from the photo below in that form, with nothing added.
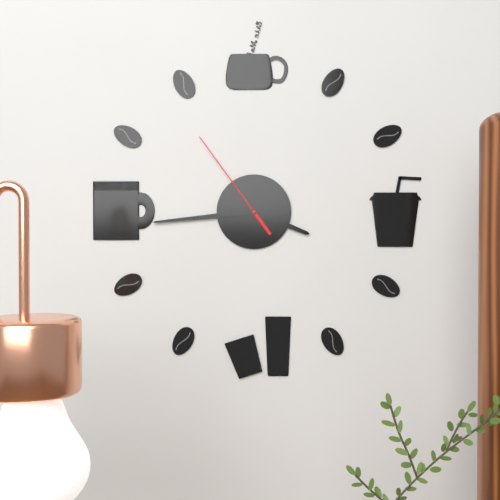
3h44m54s
